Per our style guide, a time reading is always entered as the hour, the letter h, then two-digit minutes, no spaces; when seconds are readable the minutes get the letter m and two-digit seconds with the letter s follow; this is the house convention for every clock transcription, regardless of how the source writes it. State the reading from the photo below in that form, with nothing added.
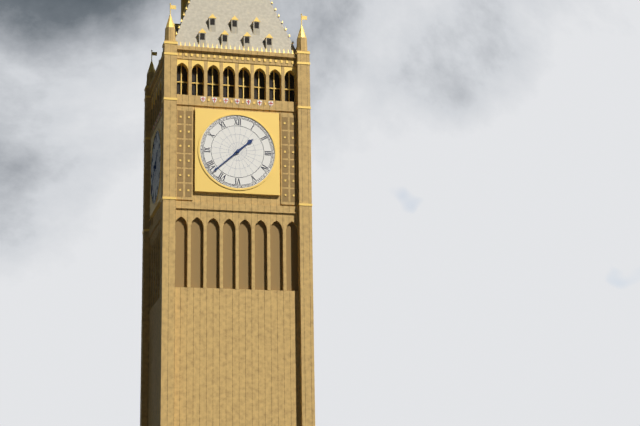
1h38
